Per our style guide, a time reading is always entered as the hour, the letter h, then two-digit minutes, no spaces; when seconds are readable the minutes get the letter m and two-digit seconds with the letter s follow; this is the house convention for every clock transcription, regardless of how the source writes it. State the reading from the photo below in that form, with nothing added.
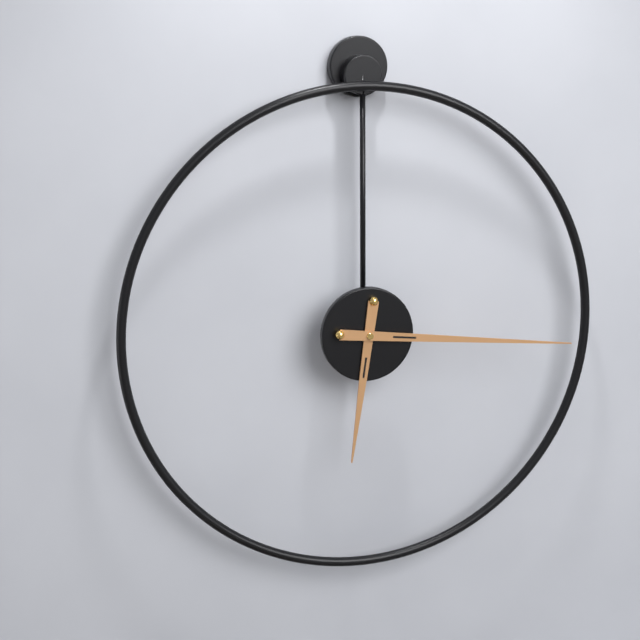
6h16
